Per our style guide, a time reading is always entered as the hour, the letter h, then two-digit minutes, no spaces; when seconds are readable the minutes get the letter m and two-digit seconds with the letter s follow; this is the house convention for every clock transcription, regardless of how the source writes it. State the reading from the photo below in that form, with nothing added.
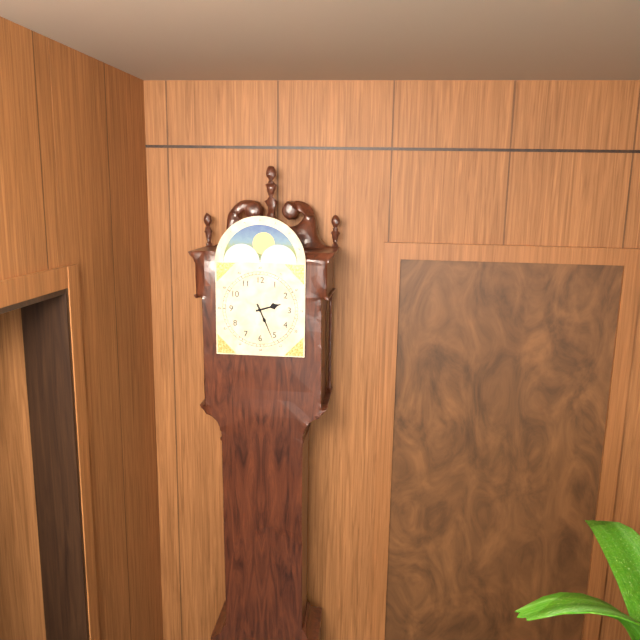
2h26
